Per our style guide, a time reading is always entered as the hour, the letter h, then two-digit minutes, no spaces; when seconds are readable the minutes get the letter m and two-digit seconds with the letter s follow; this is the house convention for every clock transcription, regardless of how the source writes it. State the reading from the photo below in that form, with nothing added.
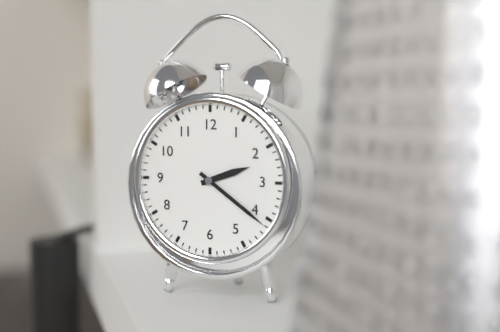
2h21
